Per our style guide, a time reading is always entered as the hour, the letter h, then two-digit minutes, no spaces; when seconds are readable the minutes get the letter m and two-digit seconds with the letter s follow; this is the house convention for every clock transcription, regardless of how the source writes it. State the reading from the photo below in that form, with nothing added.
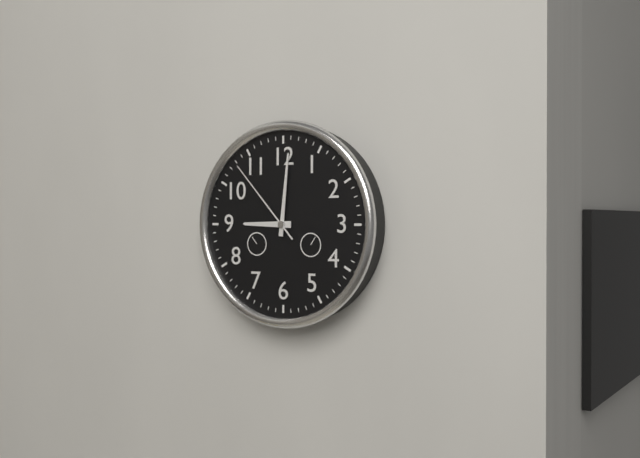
9h01m53s
